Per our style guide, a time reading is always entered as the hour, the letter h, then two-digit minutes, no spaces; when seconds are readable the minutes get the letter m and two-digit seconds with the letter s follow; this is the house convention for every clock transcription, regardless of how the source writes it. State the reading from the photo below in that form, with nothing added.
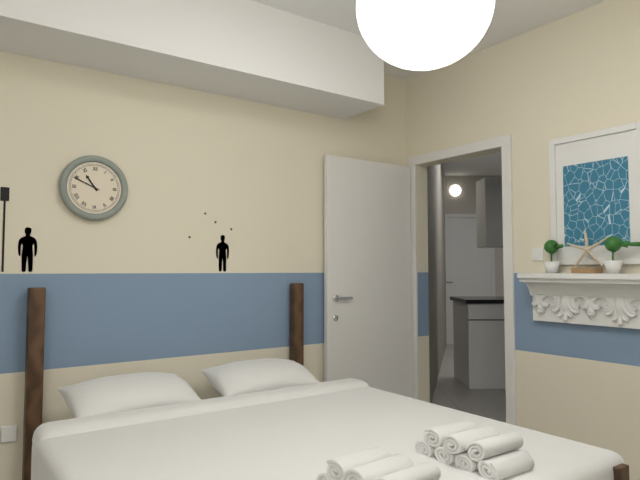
10h49
